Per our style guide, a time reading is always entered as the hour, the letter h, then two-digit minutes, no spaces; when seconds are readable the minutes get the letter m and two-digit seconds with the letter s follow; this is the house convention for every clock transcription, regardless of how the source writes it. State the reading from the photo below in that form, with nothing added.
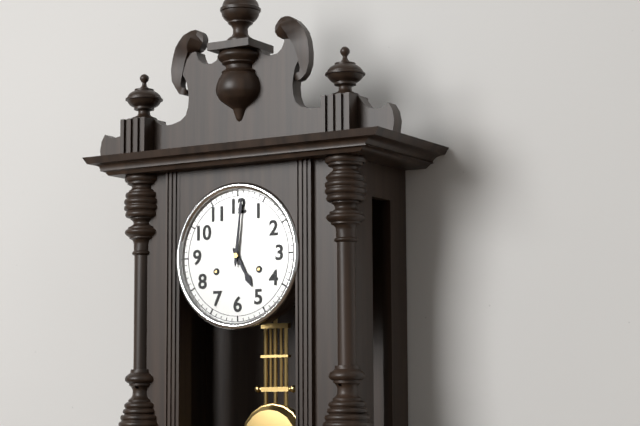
5h01
